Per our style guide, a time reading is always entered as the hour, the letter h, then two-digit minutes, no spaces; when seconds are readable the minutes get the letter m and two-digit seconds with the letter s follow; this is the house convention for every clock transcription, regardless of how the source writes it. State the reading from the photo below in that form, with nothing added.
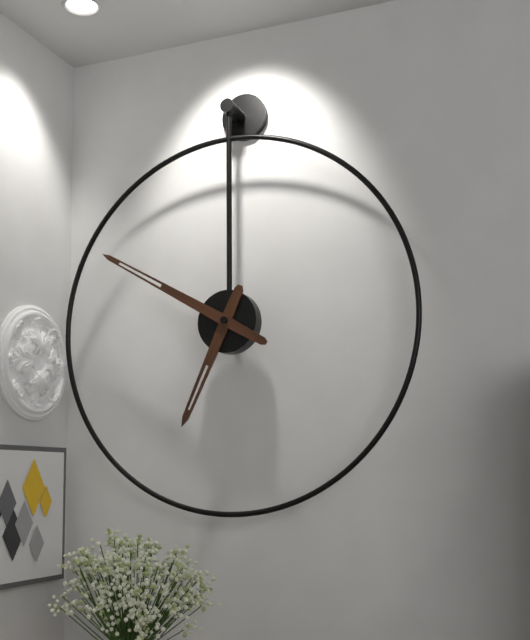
6h50
